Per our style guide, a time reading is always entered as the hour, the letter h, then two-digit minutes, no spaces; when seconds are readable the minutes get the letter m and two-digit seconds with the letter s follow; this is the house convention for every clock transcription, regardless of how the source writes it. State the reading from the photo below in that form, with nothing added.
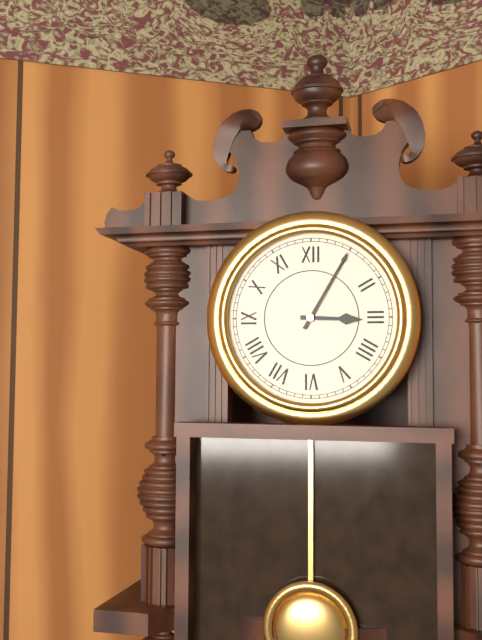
3h05
